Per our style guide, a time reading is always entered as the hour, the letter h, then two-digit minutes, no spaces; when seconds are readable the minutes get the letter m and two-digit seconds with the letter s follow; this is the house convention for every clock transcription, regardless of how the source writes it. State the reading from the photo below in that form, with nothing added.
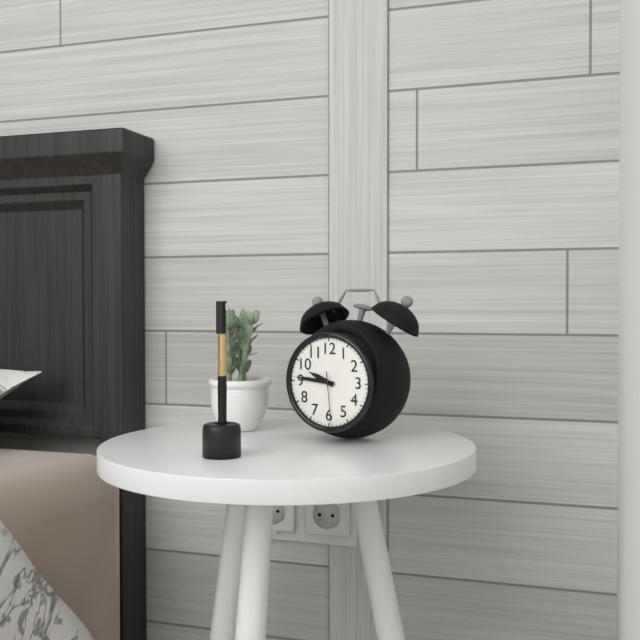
9h46m29s
